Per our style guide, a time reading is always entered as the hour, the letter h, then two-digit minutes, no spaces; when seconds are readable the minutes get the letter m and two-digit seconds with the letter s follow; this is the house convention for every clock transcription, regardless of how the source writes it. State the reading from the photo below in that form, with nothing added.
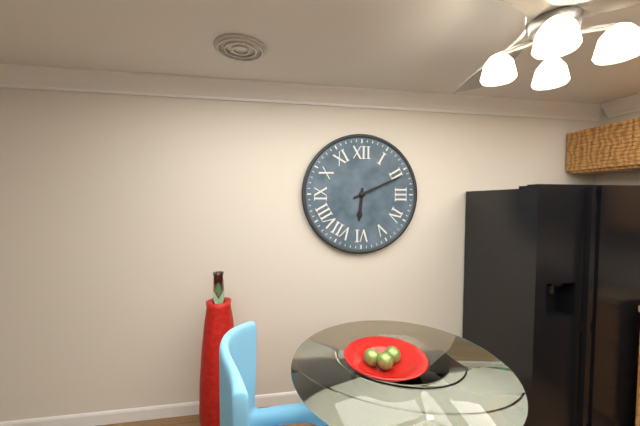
6h11
